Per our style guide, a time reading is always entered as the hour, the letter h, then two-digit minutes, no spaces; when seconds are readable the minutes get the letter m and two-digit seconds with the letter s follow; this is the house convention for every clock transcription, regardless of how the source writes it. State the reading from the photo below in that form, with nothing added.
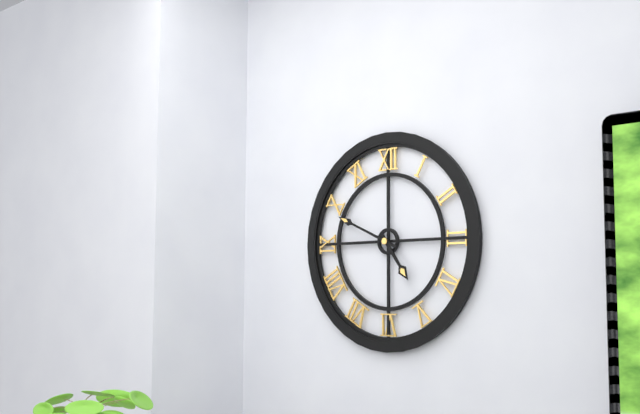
4h49
